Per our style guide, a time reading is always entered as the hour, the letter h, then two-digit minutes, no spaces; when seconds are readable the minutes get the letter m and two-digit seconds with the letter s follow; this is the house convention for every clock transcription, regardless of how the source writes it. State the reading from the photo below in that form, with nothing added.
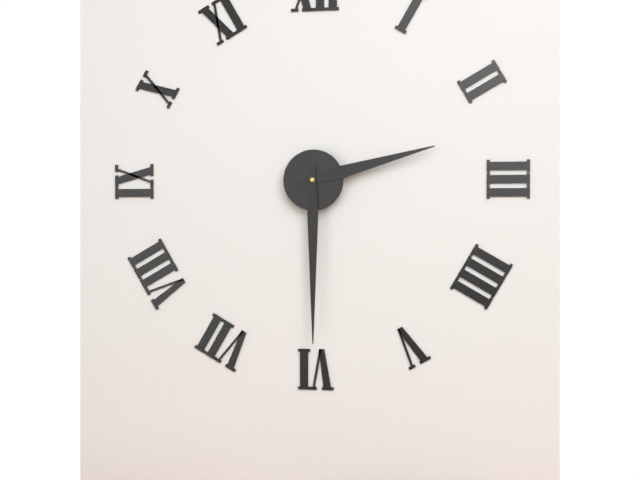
2h30
